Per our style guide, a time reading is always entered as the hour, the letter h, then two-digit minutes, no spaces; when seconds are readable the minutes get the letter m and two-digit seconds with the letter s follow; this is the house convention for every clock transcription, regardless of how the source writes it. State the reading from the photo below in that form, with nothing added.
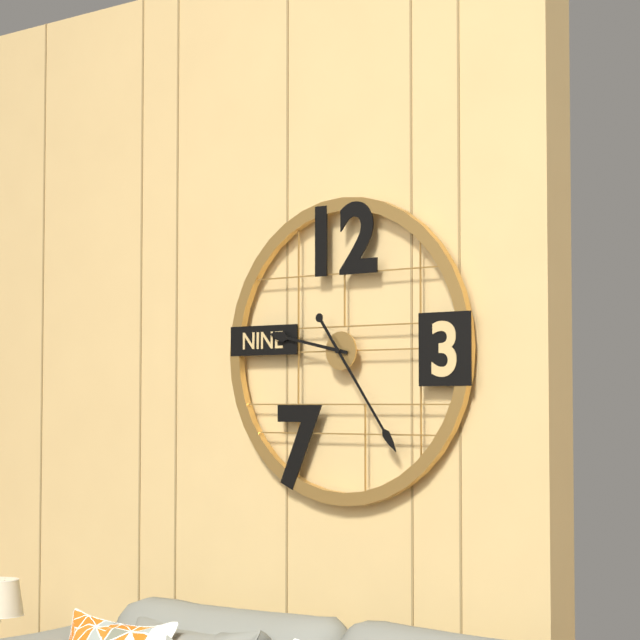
9h24
